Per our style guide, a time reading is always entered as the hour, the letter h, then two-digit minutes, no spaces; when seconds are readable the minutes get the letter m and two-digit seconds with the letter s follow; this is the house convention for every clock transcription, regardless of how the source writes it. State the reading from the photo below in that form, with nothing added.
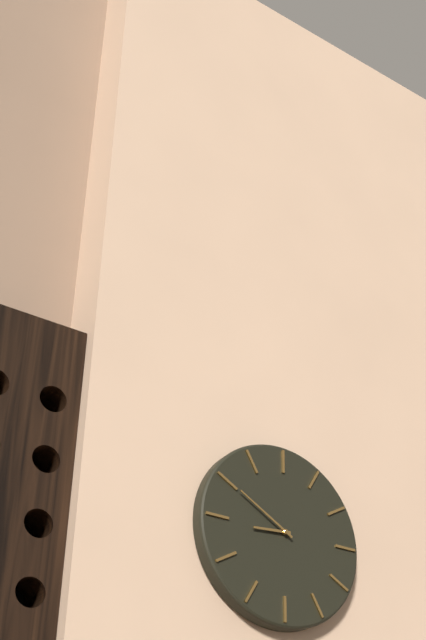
8h50
